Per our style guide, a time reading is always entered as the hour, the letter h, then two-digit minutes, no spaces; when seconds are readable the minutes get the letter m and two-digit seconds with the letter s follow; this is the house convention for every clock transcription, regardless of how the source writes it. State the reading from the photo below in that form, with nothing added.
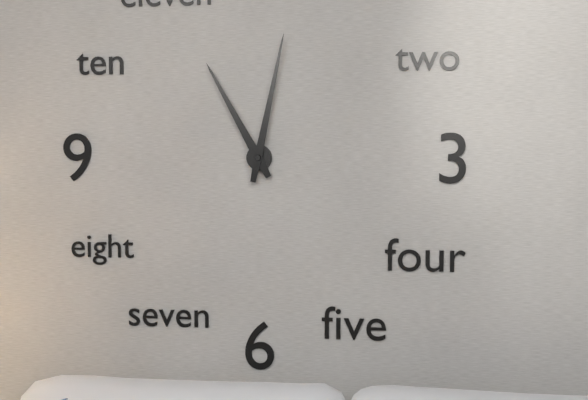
11h02
